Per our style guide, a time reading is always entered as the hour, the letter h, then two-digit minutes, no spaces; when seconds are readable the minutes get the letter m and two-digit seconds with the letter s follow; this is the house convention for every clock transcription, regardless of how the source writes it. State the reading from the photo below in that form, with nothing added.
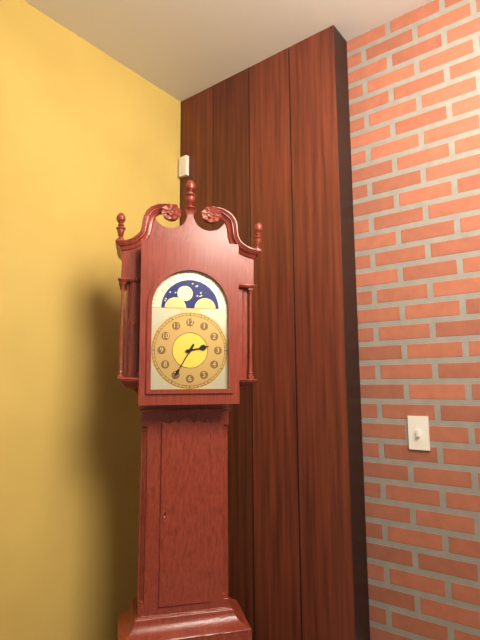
2h35
